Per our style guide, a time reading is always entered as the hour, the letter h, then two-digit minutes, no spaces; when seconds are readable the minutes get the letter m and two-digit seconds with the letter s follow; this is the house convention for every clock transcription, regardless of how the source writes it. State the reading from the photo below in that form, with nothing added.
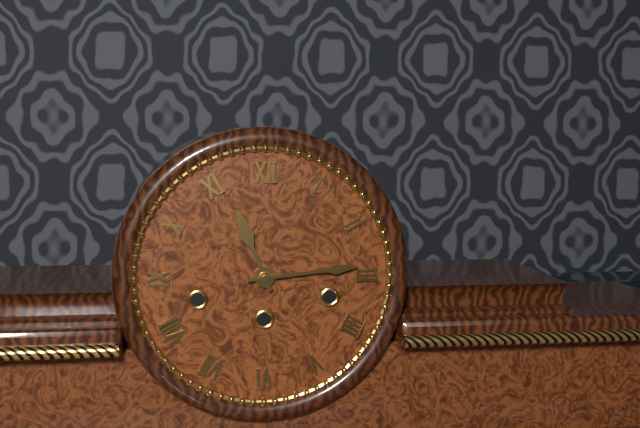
11h14
